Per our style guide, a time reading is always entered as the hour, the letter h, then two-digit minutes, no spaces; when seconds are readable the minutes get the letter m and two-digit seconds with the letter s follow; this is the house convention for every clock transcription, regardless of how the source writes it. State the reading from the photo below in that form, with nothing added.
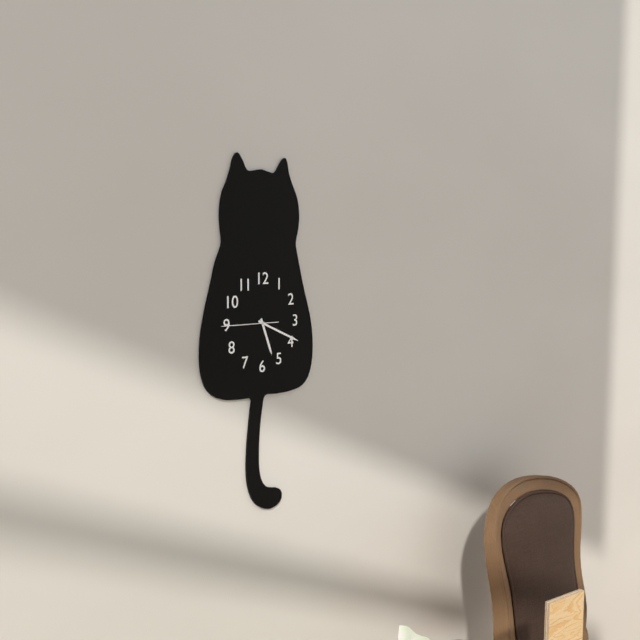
5h19
